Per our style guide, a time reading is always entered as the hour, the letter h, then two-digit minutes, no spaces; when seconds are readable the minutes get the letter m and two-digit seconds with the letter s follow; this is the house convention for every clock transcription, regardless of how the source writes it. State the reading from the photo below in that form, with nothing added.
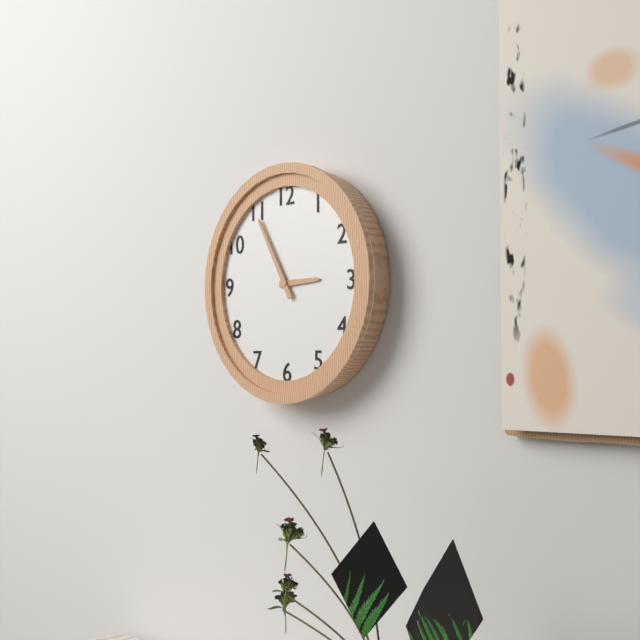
2h55
